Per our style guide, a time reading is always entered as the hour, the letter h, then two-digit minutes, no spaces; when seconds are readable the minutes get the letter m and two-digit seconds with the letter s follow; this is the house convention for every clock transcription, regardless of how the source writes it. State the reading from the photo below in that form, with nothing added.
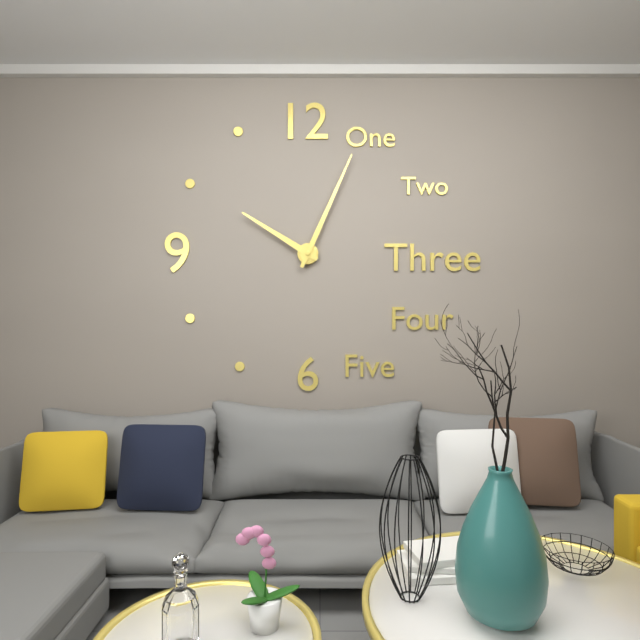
10h04
